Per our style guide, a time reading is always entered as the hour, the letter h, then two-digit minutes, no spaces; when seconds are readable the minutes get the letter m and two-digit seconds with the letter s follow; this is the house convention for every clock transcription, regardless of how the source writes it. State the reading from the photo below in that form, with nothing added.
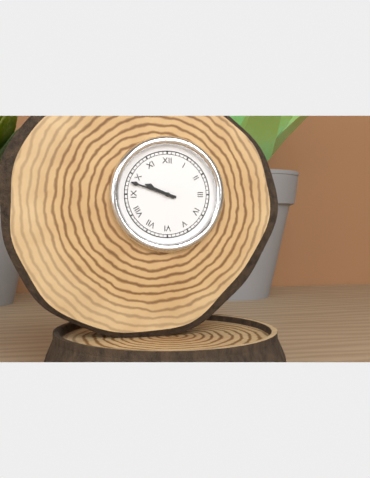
9h48
